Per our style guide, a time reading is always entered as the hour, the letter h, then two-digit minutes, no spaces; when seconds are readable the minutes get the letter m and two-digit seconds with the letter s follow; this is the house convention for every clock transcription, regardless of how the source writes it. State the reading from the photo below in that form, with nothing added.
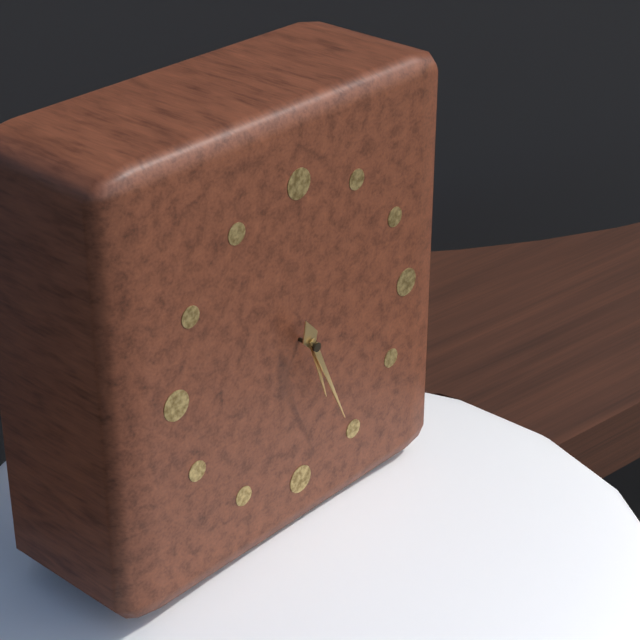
5h26
